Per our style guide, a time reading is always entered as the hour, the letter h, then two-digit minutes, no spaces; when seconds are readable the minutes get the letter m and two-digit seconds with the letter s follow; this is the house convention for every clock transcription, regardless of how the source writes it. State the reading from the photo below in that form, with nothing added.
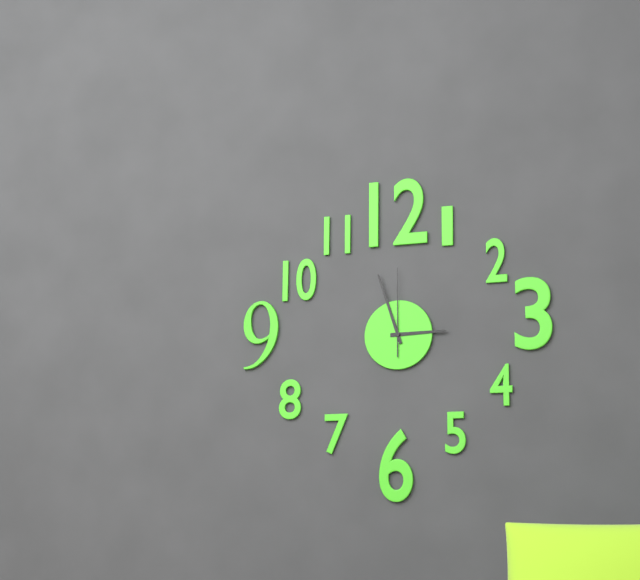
2h57m00s
